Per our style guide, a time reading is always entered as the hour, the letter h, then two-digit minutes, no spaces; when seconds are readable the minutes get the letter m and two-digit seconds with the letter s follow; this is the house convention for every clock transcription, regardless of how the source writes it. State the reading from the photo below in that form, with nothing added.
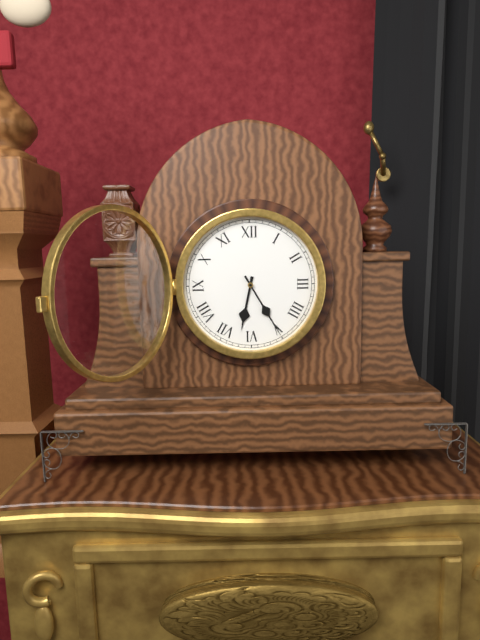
6h25
